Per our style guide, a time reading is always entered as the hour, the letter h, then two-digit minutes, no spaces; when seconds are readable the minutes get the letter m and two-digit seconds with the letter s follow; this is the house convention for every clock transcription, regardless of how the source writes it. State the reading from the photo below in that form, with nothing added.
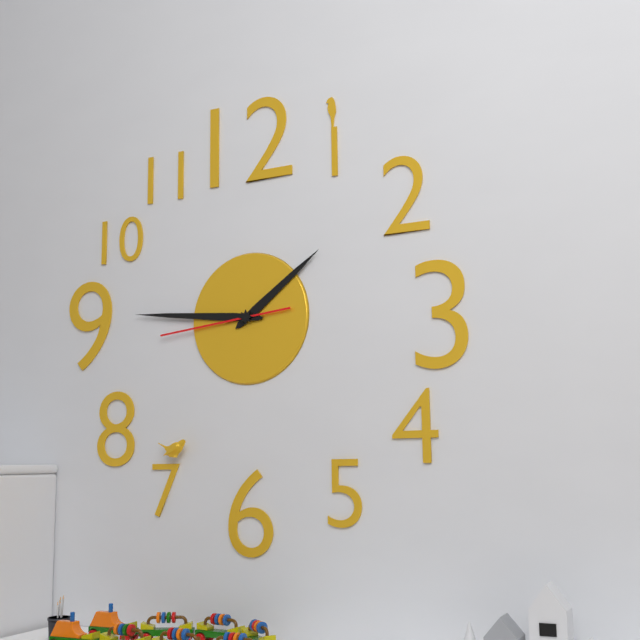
1h46m44s
